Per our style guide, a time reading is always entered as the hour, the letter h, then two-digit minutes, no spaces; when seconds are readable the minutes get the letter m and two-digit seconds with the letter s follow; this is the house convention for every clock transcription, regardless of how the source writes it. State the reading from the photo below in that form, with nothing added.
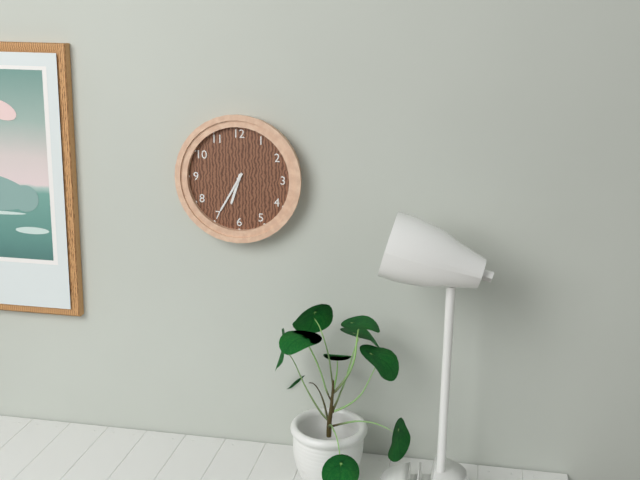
6h35
